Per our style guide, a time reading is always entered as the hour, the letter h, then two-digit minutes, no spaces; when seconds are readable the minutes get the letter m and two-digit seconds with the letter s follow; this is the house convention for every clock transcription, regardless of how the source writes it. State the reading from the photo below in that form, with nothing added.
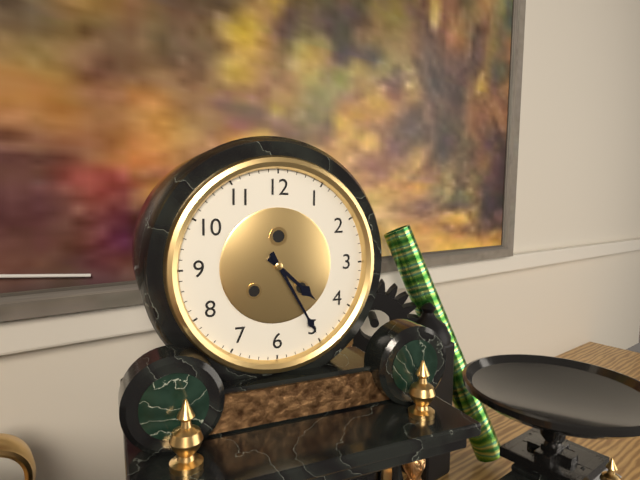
4h25
